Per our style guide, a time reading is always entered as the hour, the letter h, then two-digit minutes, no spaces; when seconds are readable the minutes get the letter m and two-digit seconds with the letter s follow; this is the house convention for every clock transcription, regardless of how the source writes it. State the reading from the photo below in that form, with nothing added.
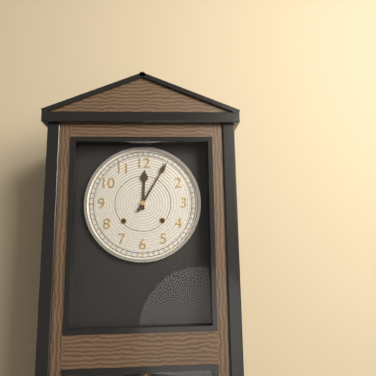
12h05
